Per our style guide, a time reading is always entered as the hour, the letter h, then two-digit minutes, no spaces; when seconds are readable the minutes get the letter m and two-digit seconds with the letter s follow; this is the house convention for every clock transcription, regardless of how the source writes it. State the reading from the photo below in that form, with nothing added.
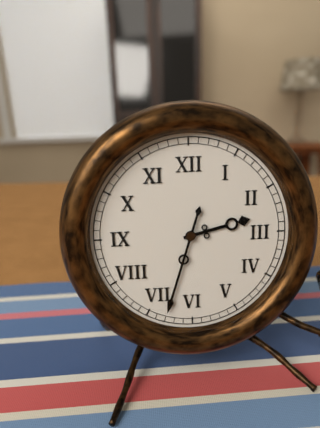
2h33
